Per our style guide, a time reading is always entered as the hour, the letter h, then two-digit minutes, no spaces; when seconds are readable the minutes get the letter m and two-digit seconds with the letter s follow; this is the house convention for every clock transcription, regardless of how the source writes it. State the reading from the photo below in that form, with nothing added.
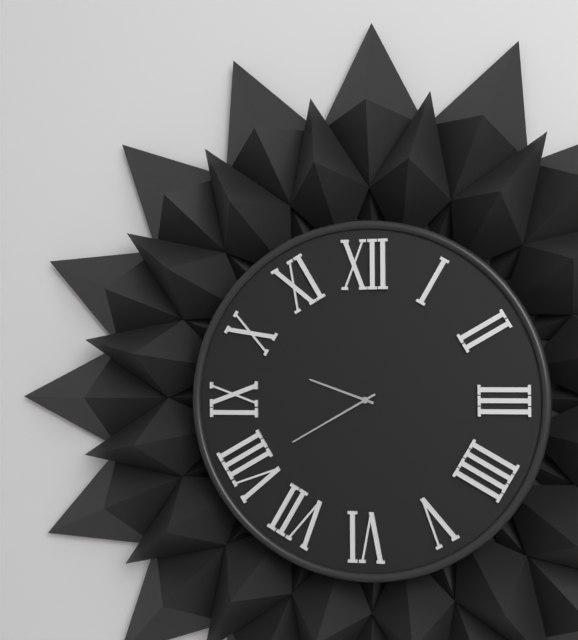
9h40
